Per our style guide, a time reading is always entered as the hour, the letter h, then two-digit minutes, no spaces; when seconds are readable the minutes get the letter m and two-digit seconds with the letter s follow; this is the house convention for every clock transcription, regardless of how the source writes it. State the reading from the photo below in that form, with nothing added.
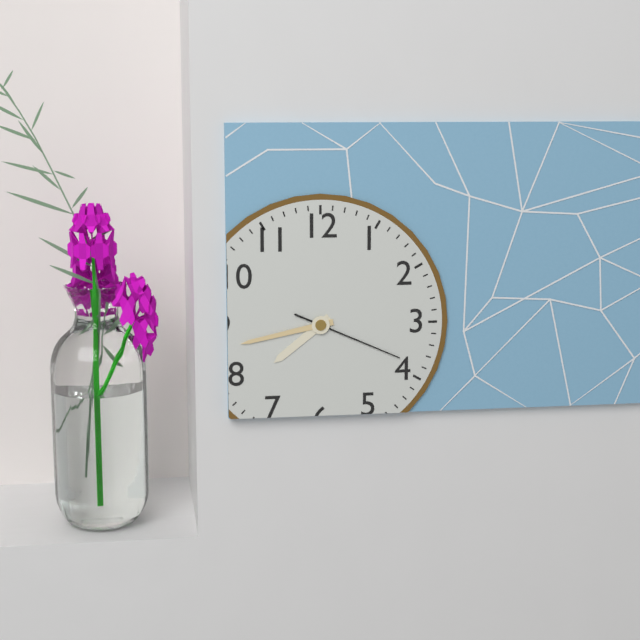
7h43m19s
